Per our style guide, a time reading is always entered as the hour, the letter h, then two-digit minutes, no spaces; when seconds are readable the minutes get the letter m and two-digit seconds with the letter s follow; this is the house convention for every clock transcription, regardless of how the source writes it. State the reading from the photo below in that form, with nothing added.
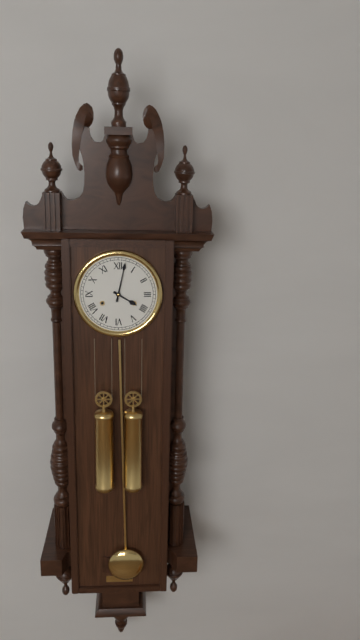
4h02
